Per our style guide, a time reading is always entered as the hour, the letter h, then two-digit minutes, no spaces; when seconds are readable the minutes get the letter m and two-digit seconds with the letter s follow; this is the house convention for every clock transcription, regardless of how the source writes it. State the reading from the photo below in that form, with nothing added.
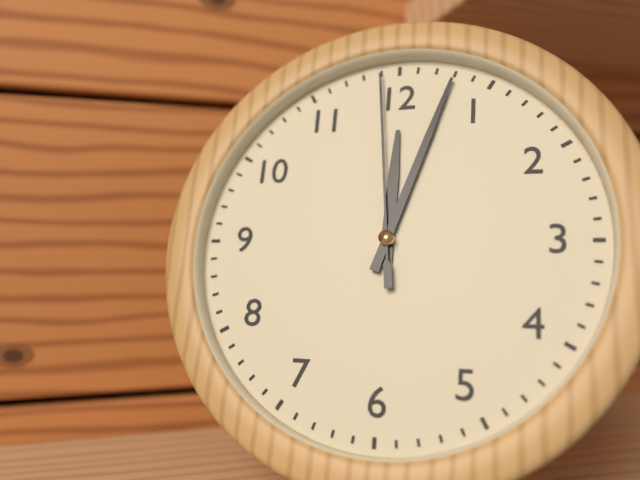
12h03m59s
